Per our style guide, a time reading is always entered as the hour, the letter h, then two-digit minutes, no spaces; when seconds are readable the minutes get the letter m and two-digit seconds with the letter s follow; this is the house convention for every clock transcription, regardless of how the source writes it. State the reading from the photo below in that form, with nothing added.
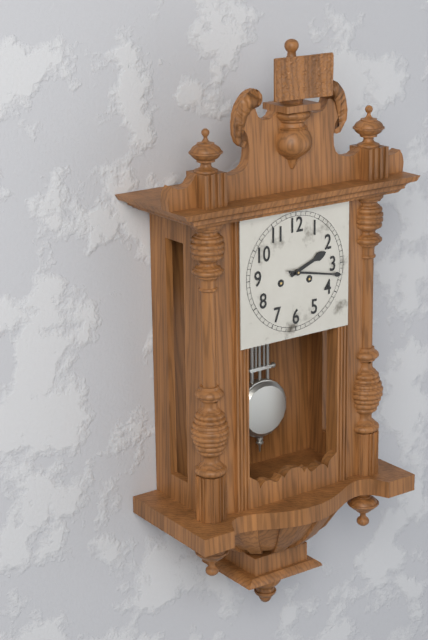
2h17
